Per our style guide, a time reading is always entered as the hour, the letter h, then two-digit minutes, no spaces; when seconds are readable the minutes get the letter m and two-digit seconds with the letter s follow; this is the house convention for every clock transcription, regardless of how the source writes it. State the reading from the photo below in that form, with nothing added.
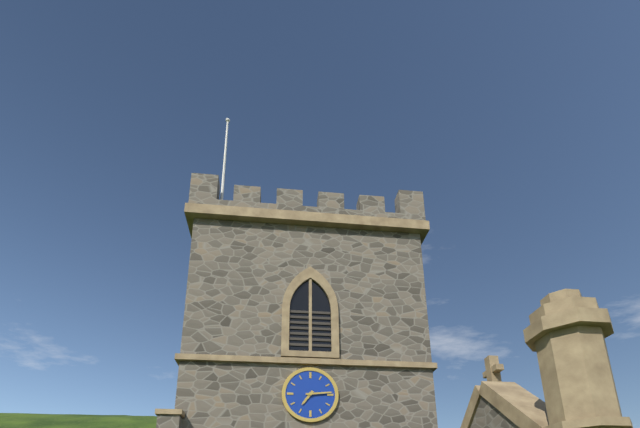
7h14
